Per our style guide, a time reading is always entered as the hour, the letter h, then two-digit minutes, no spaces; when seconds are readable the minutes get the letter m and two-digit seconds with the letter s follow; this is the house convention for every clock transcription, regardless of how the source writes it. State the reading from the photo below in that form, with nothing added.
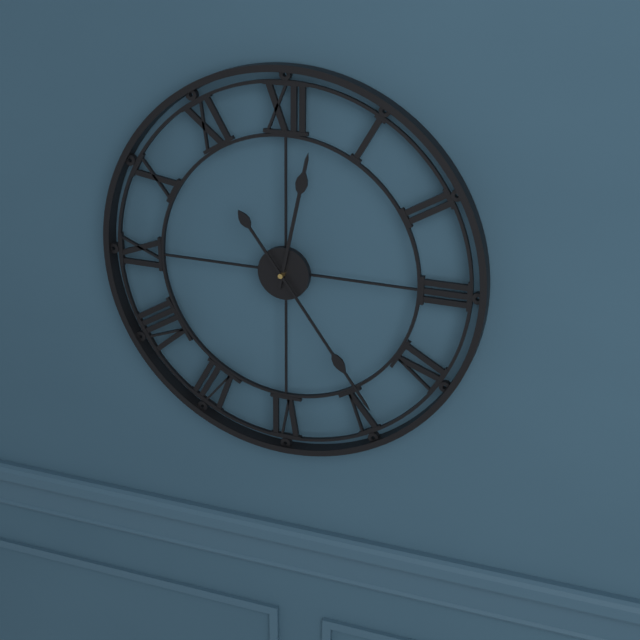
12h24
